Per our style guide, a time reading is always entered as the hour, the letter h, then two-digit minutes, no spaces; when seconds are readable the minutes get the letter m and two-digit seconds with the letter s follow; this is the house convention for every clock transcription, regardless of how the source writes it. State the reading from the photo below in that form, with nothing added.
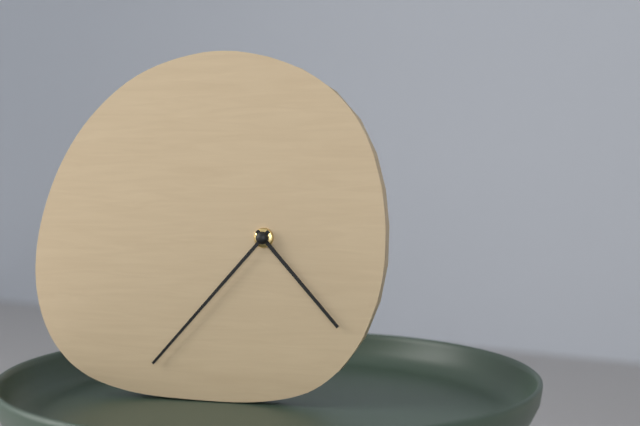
4h37
